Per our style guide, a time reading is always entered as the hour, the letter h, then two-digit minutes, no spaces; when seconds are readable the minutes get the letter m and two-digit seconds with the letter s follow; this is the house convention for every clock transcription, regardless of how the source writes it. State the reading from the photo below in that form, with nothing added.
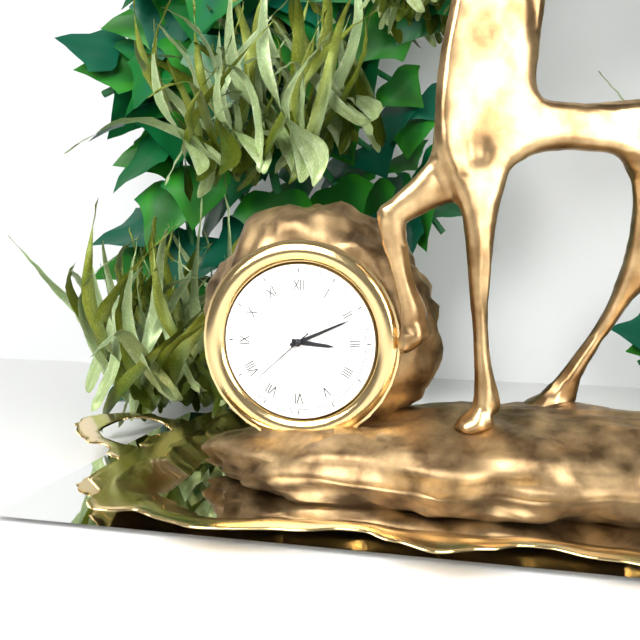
3h11m38s
